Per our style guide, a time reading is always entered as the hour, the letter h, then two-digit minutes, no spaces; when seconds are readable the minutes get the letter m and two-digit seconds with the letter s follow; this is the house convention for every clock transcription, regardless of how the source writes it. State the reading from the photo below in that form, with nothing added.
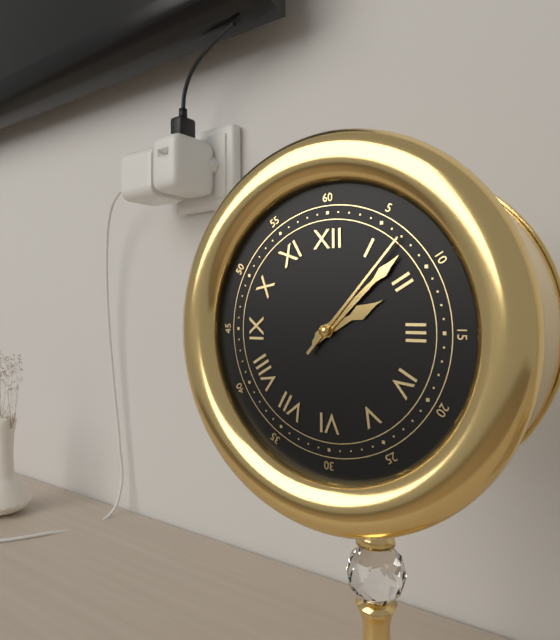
2h08m07s
